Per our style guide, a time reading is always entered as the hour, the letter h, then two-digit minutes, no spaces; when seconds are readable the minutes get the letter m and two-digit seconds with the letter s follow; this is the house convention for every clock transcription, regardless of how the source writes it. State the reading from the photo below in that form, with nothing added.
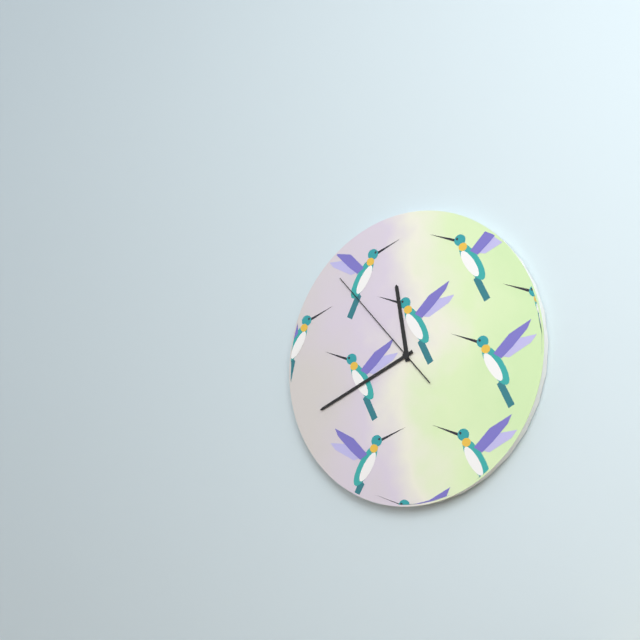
11h41m53s
